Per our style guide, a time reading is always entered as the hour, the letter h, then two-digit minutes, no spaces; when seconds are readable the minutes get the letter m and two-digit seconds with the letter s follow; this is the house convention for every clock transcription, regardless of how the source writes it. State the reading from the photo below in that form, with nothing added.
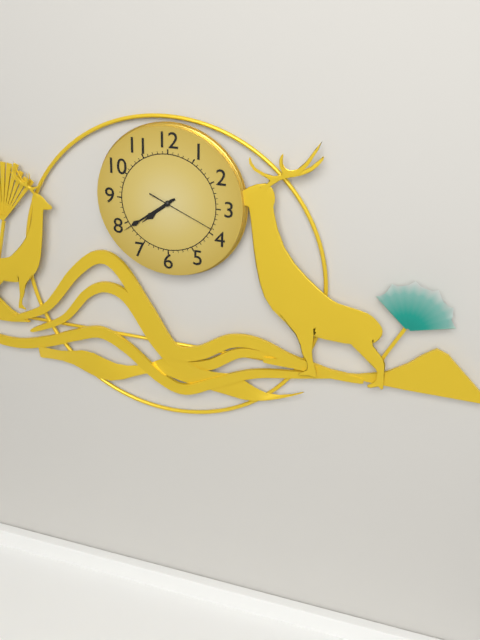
7h39m19s
